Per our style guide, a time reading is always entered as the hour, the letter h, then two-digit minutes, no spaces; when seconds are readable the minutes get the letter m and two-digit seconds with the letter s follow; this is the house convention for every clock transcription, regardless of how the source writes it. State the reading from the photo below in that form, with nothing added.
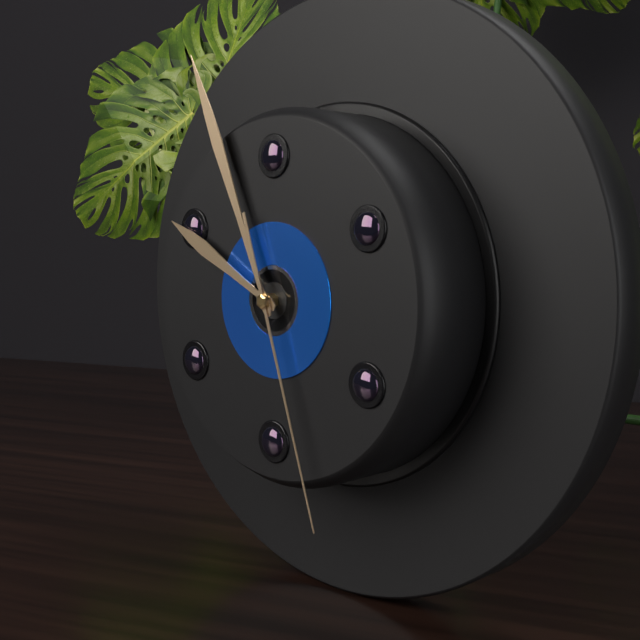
9h56m27s
